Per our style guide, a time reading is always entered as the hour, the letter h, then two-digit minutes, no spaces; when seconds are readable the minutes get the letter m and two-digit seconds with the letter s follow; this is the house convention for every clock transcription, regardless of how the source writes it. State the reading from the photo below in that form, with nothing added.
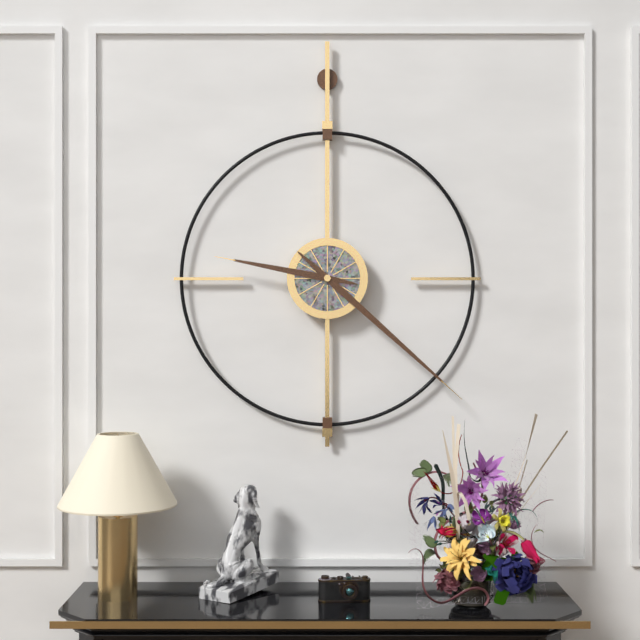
9h22
